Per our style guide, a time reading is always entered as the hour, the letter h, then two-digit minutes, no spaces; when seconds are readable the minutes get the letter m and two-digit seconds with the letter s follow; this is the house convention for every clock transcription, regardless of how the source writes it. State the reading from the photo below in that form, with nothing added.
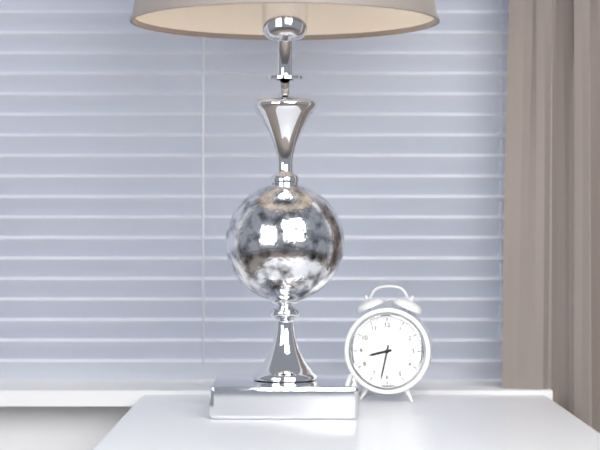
8h32
